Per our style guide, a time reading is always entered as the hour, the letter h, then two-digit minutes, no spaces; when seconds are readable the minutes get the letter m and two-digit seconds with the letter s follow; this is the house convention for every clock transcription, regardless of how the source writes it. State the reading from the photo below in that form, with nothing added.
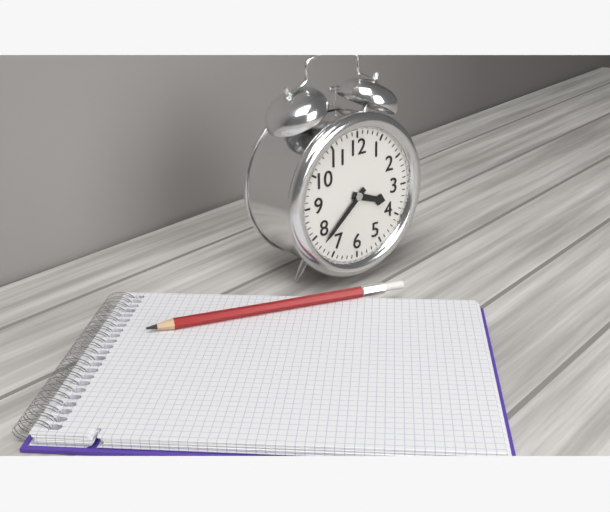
3h38
